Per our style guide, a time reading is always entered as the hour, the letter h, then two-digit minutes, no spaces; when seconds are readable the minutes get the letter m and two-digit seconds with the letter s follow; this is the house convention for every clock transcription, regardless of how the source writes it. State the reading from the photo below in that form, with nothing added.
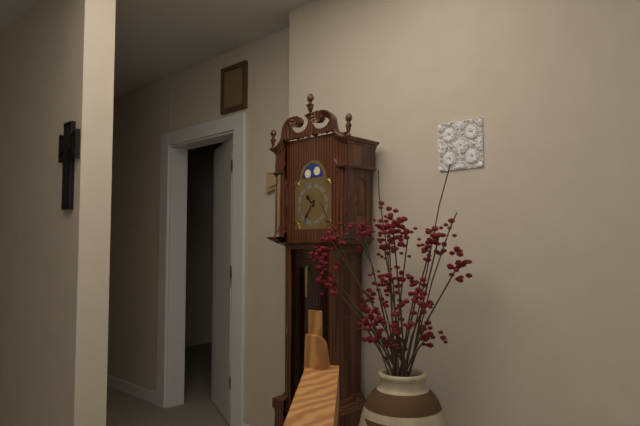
10h36
